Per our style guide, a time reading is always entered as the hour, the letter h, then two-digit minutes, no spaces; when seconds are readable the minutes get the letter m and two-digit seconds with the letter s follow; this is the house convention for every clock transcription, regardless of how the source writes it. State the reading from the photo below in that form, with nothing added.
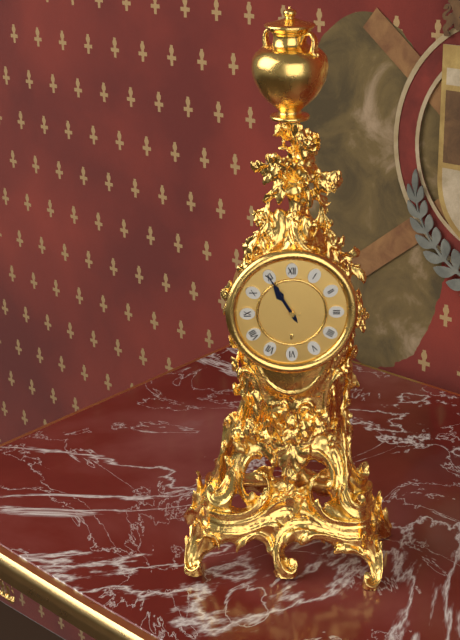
10h55
